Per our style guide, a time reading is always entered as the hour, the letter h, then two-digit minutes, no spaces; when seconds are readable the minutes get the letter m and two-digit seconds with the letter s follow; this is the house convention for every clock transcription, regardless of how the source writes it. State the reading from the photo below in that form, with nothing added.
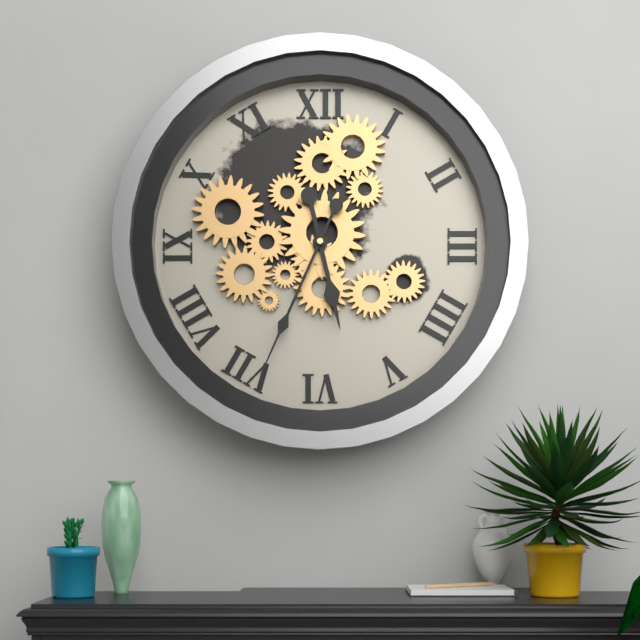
5h34
